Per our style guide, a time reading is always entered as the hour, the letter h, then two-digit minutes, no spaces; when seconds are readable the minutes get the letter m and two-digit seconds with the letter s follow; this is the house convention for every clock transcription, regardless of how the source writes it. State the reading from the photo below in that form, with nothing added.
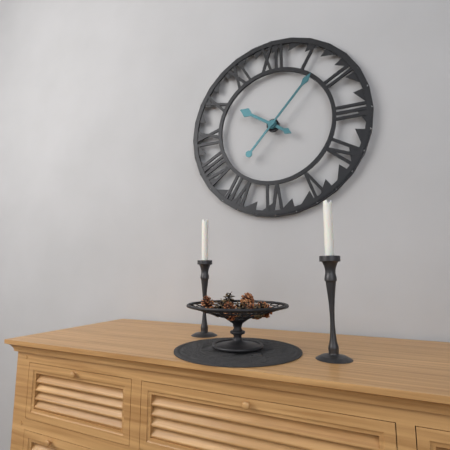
10h07
